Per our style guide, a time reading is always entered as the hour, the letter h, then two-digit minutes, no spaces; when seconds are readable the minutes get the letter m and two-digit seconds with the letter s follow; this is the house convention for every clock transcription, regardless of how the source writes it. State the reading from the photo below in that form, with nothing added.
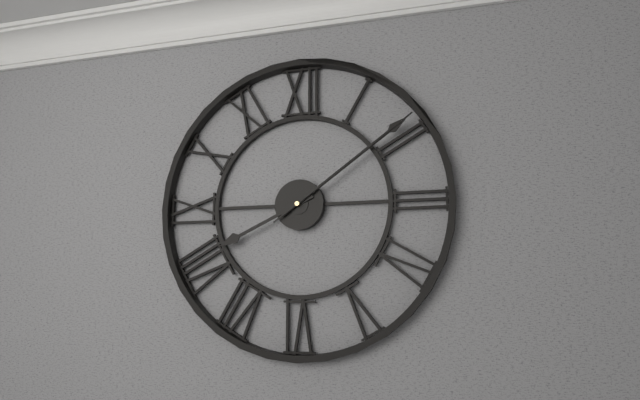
8h09m09s
